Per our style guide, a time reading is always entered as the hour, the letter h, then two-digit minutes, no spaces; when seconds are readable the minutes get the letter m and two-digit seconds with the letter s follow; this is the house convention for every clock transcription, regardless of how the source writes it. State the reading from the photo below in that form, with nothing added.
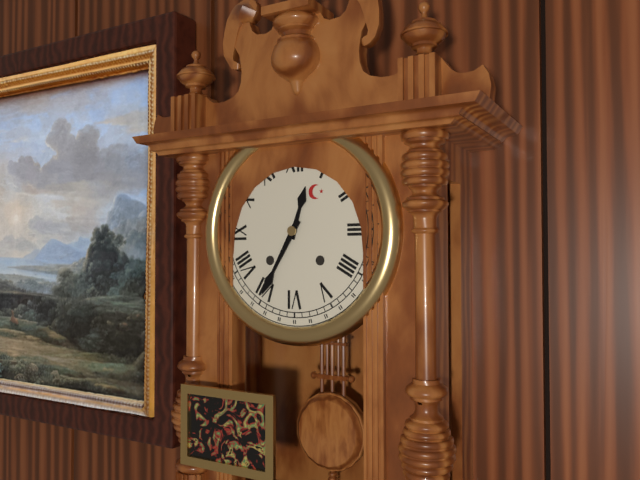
12h35
